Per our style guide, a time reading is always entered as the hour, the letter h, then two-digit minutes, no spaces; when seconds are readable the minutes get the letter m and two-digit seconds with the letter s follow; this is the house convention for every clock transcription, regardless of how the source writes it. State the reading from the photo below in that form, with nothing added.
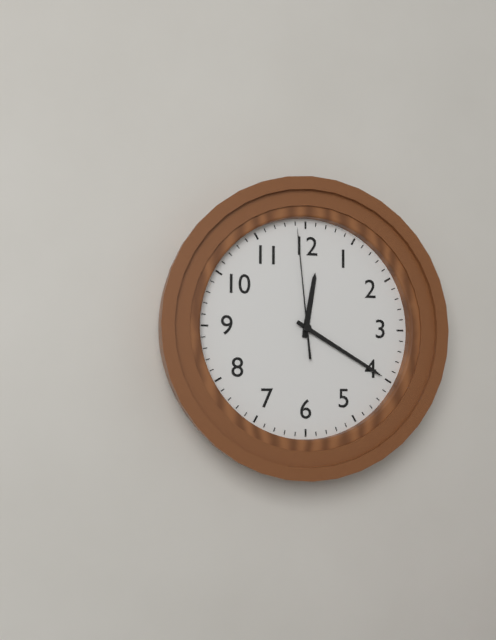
12h20m59s
